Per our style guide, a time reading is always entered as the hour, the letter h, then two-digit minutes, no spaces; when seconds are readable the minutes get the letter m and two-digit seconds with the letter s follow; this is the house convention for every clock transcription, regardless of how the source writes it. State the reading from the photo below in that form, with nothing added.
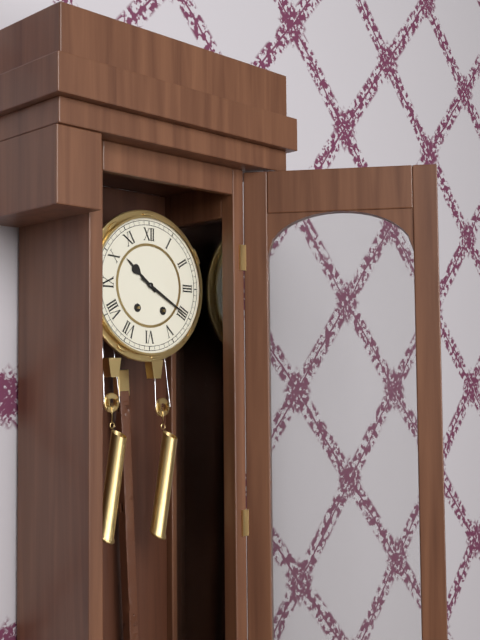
10h20
